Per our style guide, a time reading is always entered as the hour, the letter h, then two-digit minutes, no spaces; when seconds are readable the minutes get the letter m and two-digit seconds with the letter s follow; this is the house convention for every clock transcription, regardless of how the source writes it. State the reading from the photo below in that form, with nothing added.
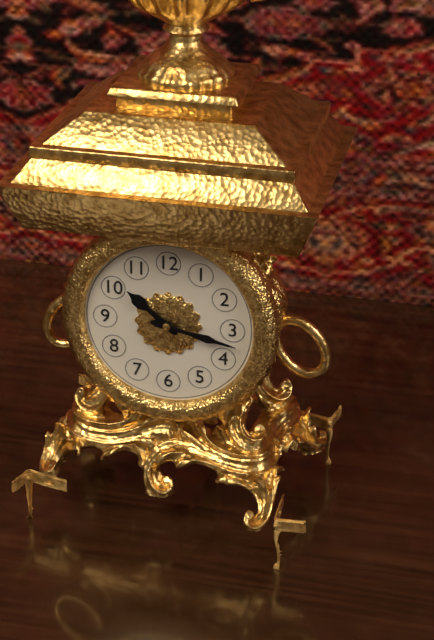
10h17
